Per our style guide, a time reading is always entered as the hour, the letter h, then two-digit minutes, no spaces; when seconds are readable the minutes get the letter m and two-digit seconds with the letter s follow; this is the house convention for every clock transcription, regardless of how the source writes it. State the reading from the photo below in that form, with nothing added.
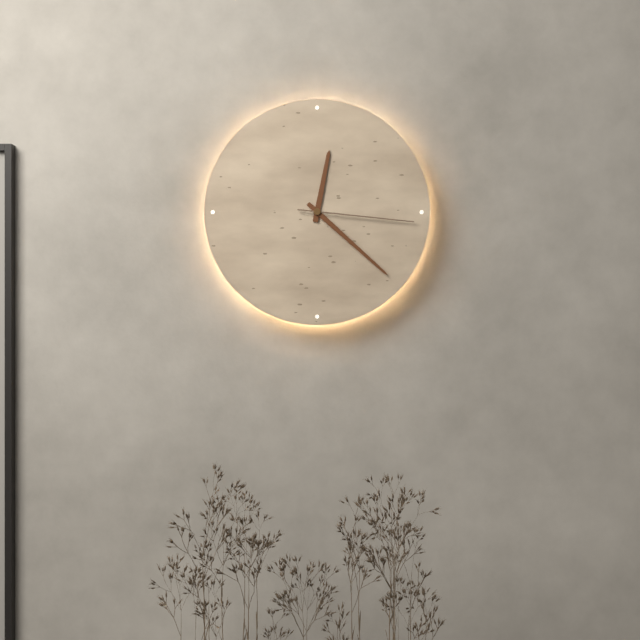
12h22m16s
